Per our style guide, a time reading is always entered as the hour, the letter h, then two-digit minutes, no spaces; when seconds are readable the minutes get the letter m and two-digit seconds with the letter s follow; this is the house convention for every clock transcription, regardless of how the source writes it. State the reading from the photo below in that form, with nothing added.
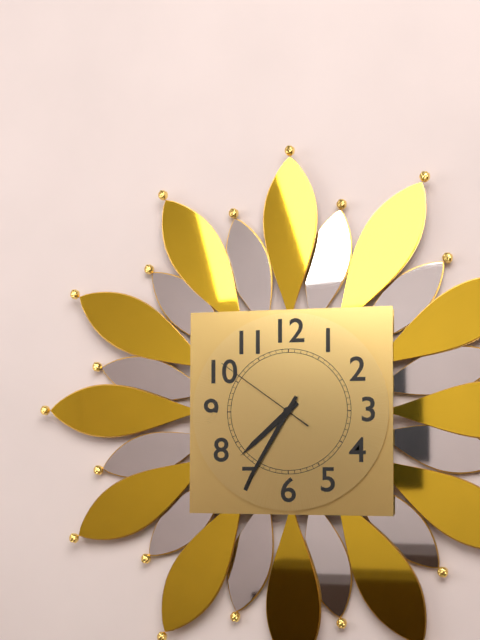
7h35m51s
